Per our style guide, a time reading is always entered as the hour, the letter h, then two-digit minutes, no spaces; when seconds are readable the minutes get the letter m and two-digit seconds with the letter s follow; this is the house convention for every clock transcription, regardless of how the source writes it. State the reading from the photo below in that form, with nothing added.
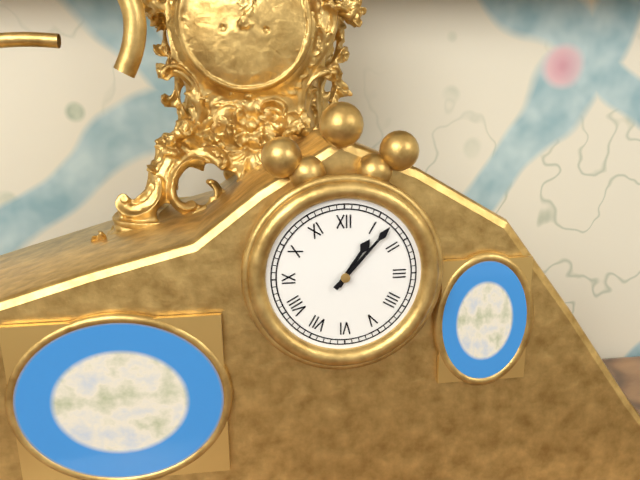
1h07
